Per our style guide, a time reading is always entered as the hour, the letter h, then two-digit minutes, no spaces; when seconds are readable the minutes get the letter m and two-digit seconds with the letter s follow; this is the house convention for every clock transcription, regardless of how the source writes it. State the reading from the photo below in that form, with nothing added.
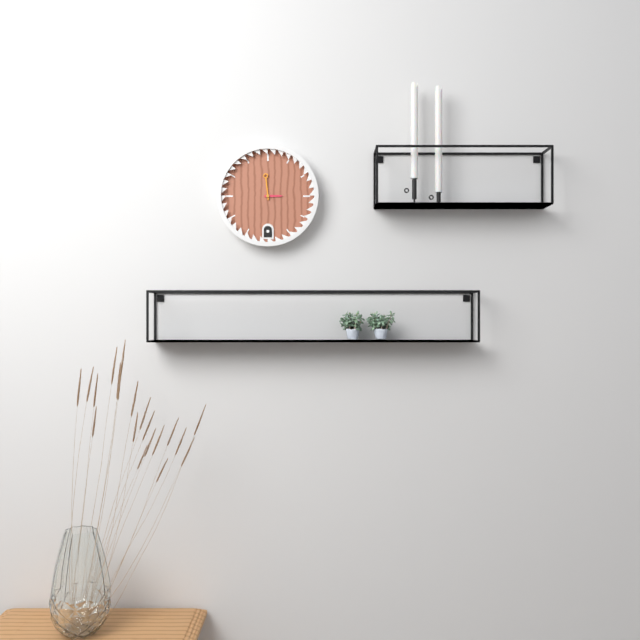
2h59
